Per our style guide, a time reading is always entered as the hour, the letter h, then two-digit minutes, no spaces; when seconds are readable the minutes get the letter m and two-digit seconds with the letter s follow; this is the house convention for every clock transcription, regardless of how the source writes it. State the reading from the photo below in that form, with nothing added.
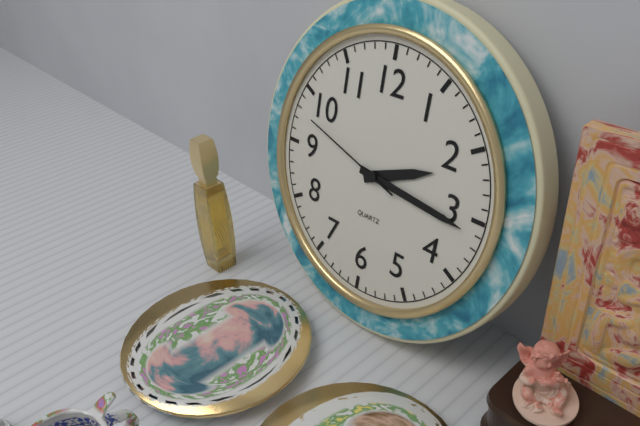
2h16m48s
